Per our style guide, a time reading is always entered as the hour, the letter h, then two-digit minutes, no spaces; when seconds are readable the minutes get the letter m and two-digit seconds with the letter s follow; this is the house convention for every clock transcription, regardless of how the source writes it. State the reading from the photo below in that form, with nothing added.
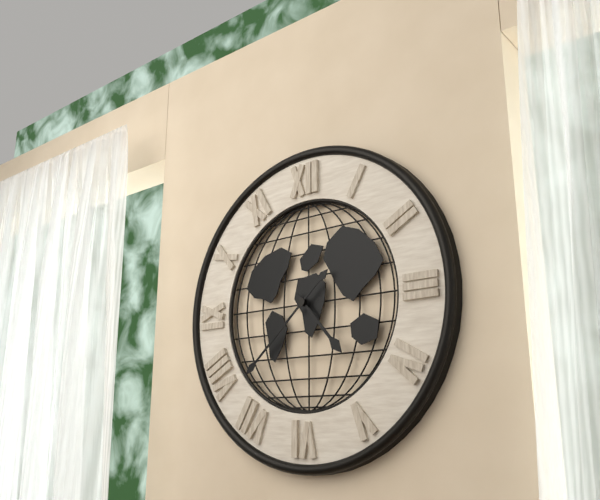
4h38
